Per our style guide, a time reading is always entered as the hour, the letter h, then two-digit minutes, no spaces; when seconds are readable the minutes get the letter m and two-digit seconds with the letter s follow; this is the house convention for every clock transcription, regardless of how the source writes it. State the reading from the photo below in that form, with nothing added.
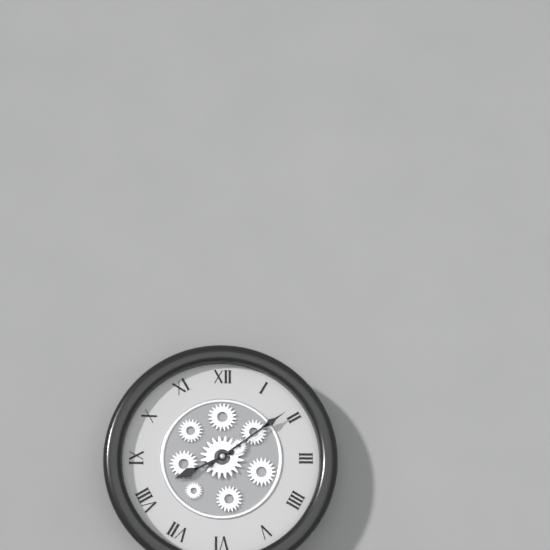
8h09
